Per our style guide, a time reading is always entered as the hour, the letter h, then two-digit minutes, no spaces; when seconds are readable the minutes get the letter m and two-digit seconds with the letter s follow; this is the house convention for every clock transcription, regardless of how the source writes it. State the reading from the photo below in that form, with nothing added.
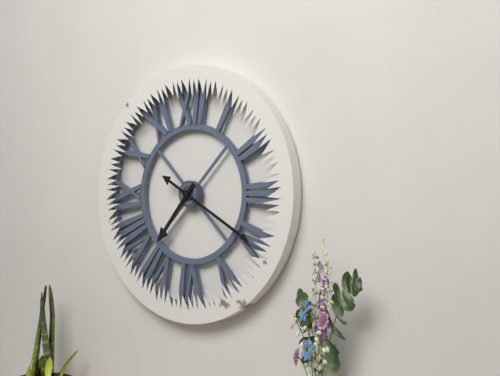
7h20
